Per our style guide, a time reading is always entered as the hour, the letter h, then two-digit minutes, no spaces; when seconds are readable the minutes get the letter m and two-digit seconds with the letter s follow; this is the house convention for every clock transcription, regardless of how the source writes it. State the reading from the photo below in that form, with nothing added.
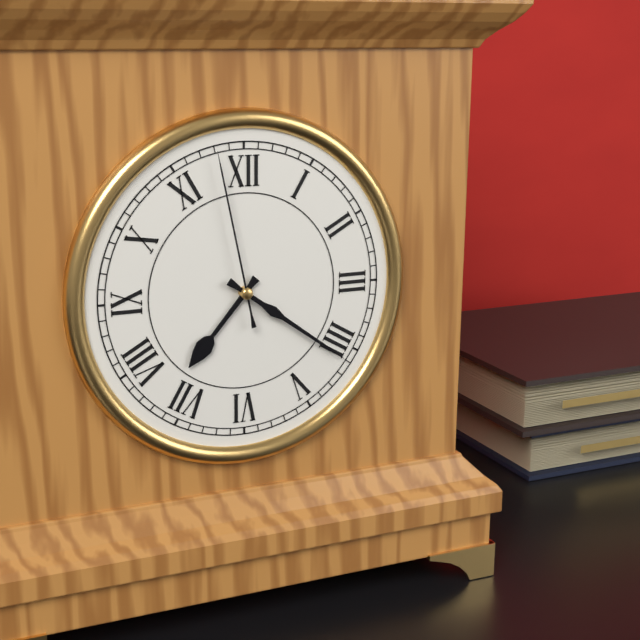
7h21m58s
